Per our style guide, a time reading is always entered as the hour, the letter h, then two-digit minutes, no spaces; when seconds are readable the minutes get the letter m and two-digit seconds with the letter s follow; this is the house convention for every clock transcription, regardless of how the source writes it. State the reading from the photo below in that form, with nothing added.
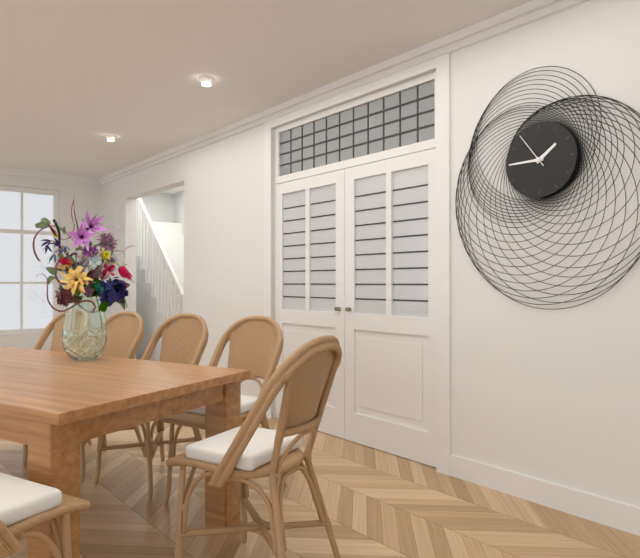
1h45
